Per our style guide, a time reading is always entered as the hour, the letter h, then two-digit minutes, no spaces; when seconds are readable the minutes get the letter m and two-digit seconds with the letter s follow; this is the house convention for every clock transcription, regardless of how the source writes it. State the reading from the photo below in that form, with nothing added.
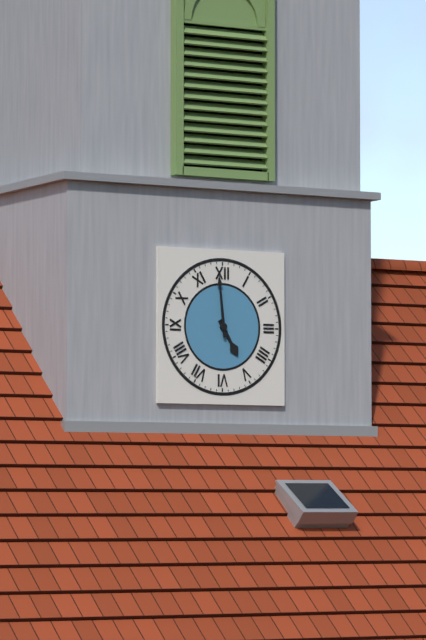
4h59
